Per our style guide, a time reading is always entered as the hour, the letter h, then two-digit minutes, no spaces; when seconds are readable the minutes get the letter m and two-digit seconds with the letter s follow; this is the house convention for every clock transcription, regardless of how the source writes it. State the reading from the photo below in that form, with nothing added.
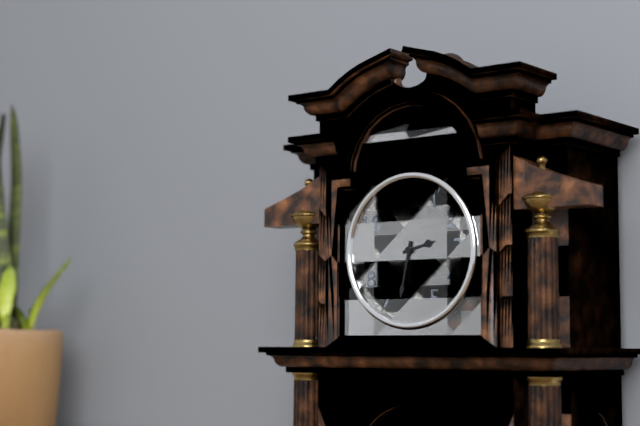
2h32
